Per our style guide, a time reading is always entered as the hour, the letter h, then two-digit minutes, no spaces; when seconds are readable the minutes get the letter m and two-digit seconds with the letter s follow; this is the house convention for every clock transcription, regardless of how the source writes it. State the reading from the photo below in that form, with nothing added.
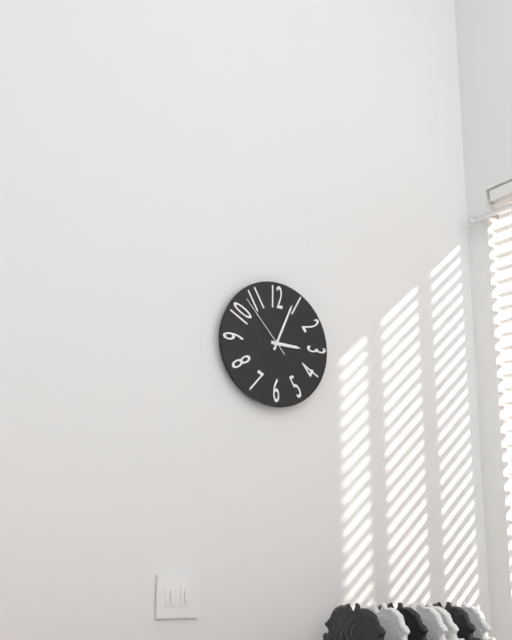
3h04m53s
